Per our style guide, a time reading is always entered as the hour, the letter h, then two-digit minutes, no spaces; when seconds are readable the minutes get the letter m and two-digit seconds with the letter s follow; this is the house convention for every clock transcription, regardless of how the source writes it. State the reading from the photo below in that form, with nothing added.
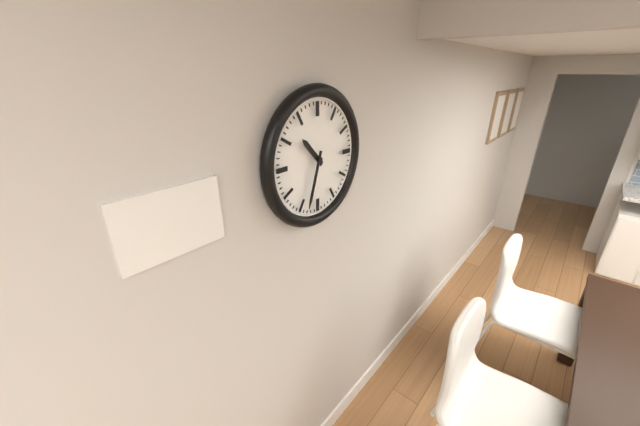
10h33
